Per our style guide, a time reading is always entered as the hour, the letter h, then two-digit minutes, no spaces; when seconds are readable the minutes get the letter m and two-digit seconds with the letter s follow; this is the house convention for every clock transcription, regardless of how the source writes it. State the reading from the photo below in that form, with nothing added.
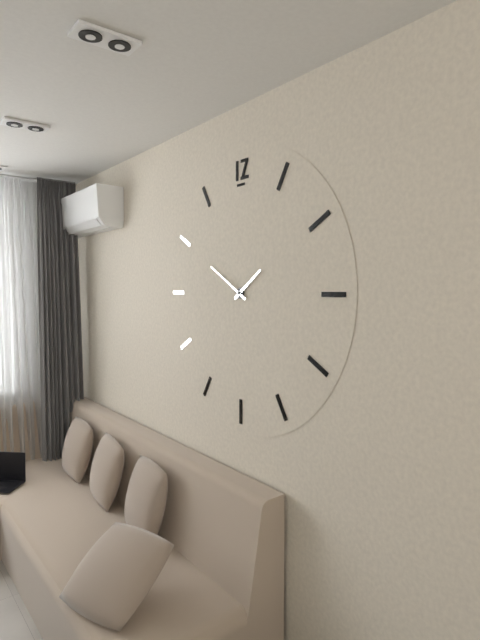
1h50
